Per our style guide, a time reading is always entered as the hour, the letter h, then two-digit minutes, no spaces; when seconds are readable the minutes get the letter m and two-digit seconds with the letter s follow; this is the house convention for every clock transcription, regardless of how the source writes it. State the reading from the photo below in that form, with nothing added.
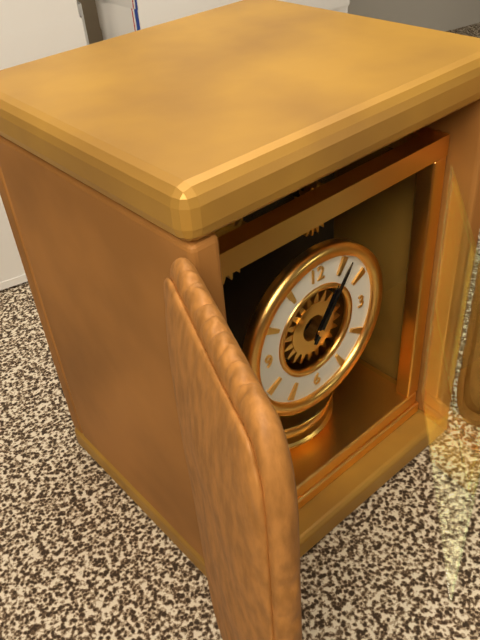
1h06
